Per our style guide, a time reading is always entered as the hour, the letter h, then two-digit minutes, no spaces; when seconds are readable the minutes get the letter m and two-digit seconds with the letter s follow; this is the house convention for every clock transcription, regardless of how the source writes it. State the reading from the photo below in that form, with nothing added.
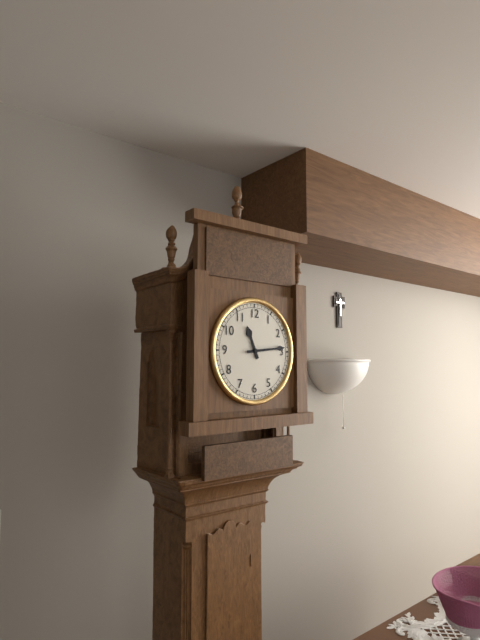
11h14
